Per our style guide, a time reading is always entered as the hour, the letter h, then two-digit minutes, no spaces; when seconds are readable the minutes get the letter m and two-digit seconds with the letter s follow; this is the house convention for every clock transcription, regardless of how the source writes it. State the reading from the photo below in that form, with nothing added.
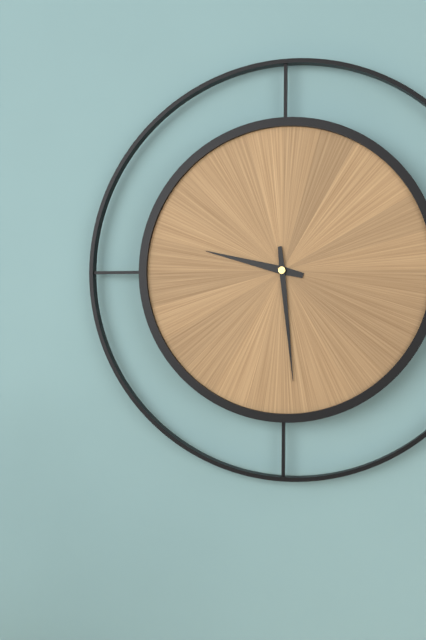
9h29
